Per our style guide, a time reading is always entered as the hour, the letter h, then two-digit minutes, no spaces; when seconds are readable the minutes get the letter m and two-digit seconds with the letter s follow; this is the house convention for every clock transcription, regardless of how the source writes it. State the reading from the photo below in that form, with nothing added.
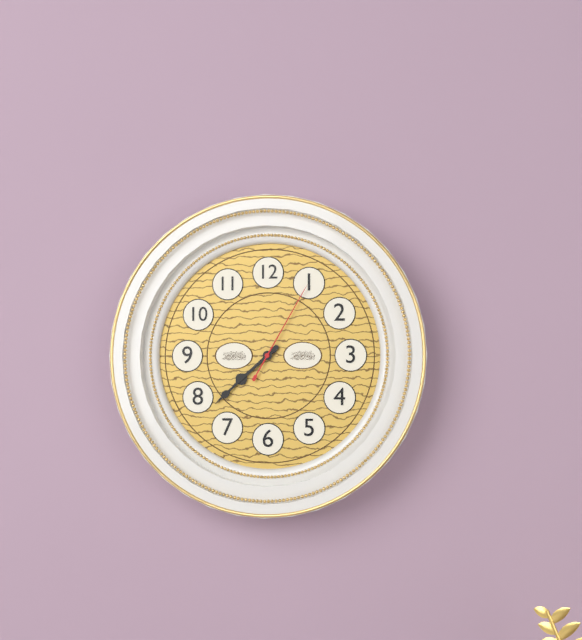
7h38m05s
